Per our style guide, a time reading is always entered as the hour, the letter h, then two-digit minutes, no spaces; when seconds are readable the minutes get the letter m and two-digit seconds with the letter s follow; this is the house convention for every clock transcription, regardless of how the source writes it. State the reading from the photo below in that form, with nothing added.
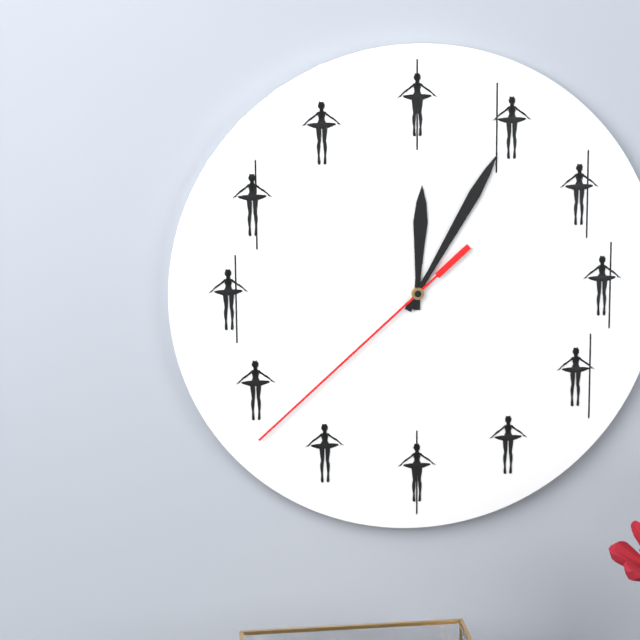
12h05m38s
